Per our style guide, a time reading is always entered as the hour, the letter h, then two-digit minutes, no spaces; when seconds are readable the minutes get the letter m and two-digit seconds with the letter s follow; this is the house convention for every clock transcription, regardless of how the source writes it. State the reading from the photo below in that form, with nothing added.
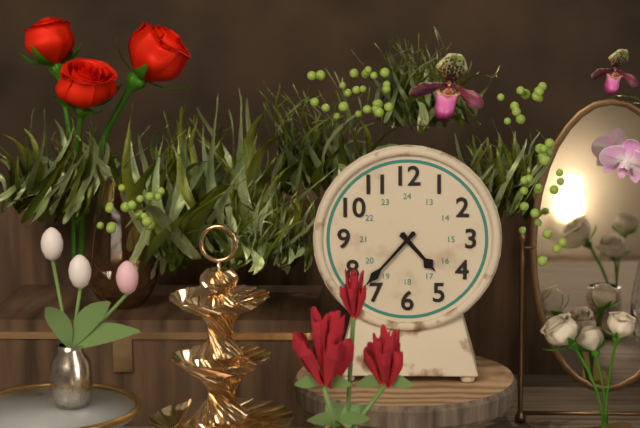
4h37
